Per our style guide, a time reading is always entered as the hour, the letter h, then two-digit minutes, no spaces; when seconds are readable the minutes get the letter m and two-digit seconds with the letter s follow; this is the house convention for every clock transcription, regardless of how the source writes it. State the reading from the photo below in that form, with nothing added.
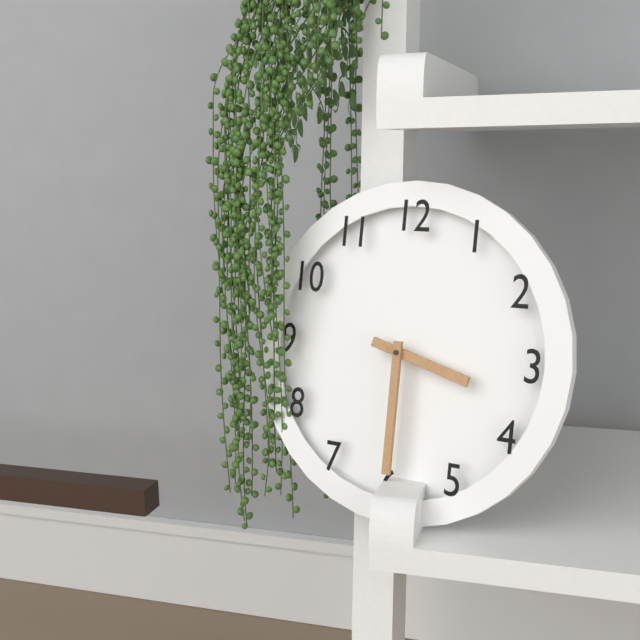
3h30
